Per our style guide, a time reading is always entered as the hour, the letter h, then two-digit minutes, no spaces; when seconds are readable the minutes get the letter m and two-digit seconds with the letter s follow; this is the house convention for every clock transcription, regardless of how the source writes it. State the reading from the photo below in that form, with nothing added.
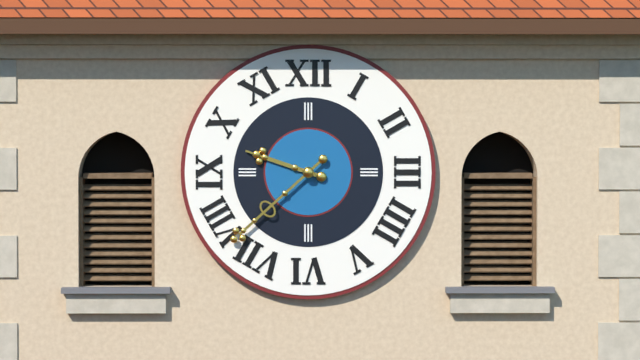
9h38
